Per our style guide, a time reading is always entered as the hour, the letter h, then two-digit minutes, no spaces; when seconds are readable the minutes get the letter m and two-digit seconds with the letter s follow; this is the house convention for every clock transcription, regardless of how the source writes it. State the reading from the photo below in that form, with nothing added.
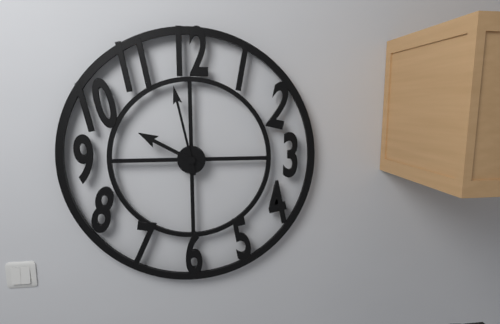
9h58
